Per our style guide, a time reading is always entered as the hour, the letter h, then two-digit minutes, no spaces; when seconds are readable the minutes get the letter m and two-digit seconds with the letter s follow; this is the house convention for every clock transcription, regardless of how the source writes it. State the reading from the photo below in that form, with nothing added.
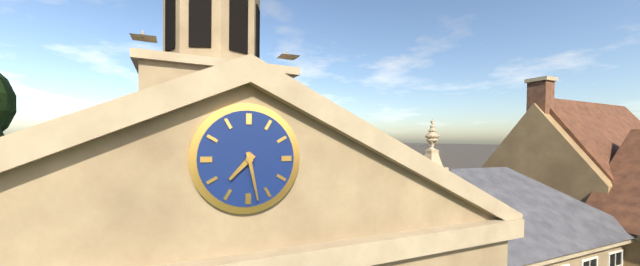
7h28
